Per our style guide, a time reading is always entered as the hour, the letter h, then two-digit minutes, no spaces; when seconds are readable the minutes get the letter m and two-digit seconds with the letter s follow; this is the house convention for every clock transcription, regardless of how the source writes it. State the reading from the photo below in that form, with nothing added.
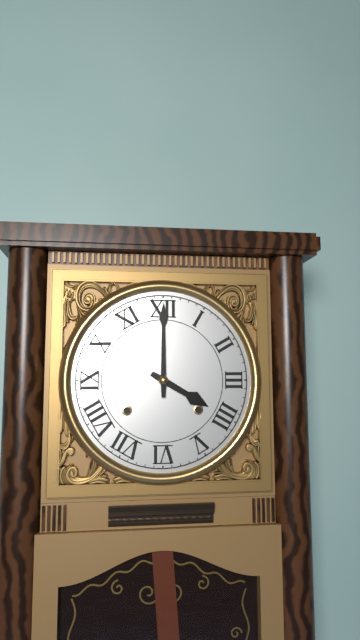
4h00
